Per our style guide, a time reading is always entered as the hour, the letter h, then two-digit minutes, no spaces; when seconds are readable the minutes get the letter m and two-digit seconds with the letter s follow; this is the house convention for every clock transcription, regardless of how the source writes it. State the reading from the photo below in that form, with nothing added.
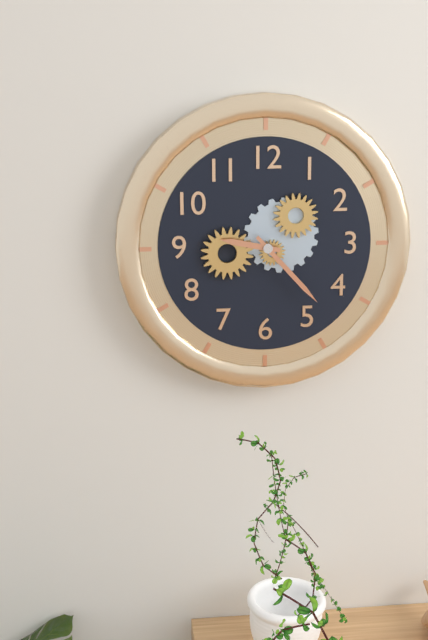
9h23
